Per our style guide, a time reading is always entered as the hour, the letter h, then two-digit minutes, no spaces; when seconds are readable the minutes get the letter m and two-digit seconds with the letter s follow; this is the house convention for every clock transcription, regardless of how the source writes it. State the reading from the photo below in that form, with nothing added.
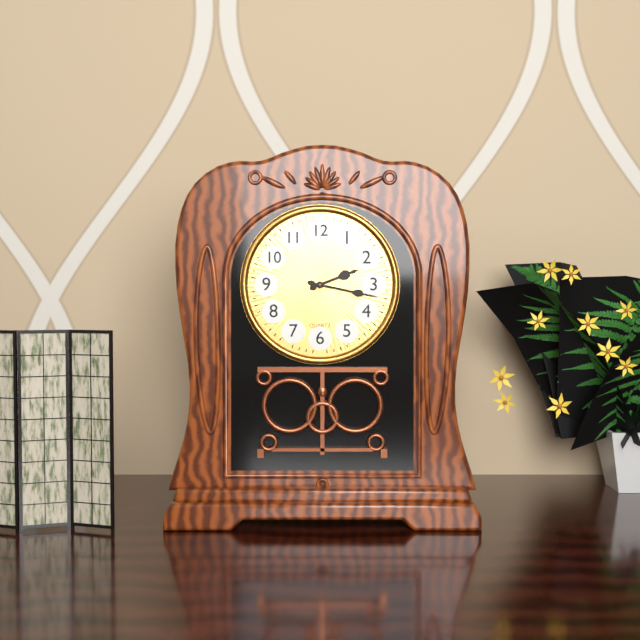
2h17
